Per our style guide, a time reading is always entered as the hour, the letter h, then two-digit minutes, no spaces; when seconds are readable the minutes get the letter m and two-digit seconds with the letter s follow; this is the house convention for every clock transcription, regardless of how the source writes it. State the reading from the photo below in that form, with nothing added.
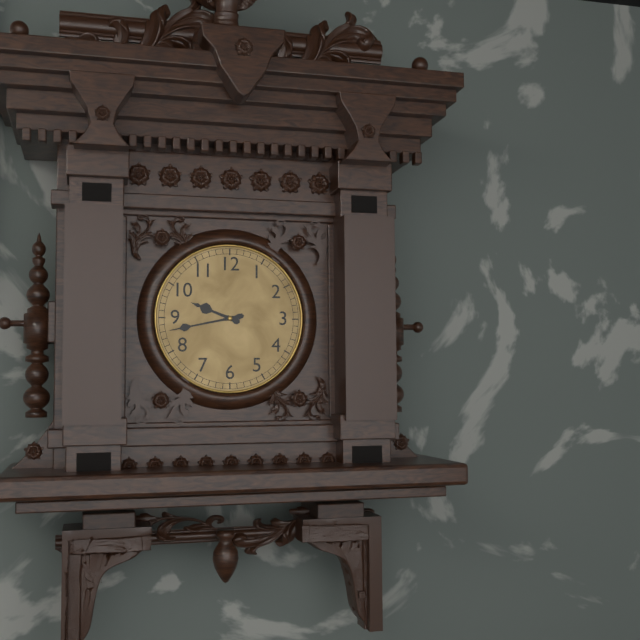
9h43
